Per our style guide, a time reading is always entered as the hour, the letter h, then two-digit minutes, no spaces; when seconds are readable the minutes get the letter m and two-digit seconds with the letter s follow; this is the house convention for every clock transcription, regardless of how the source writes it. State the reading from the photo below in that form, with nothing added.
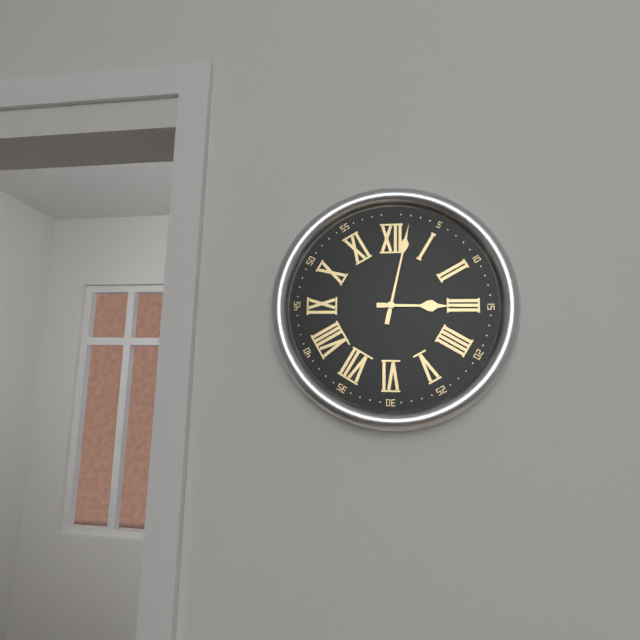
3h02
